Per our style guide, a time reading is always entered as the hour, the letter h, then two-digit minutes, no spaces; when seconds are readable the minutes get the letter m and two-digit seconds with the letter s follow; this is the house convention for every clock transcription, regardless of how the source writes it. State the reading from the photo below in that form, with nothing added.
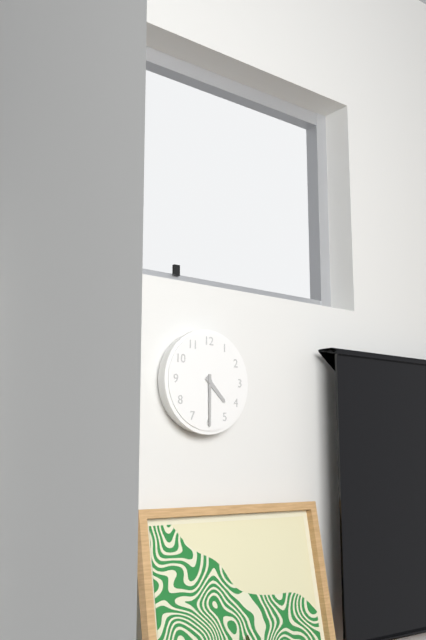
4h30
